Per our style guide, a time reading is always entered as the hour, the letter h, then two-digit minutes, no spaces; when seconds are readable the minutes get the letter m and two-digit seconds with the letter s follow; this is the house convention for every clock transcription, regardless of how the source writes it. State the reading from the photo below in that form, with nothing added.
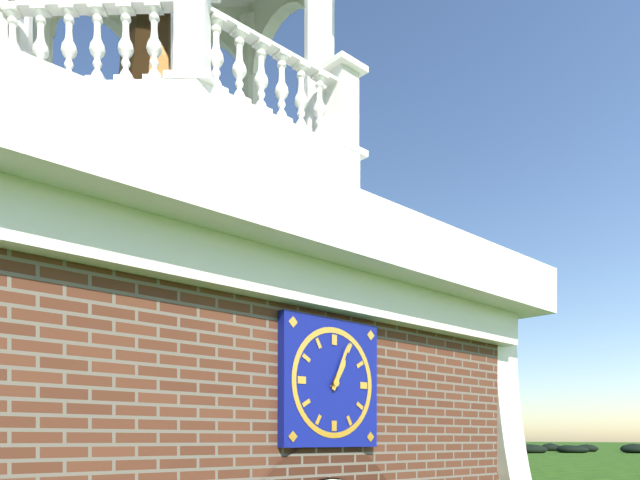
1h04
